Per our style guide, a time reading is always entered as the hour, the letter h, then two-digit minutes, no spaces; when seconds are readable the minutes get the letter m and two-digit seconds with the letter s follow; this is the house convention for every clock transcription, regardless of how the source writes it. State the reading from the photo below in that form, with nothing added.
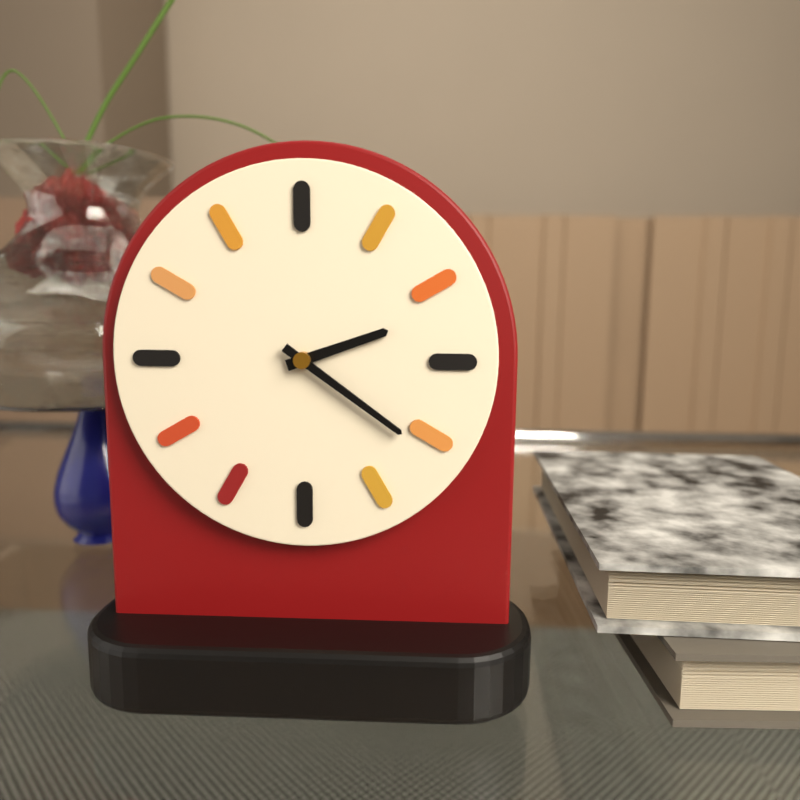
2h21
